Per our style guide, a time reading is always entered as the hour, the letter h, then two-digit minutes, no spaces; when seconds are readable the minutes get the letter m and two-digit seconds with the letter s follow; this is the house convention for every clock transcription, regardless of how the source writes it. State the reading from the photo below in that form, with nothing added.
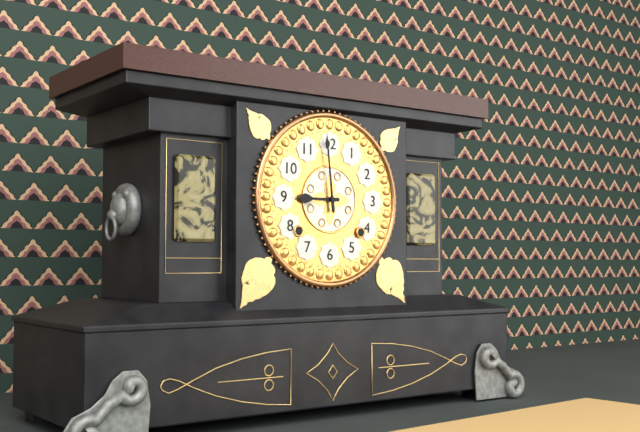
8h59
